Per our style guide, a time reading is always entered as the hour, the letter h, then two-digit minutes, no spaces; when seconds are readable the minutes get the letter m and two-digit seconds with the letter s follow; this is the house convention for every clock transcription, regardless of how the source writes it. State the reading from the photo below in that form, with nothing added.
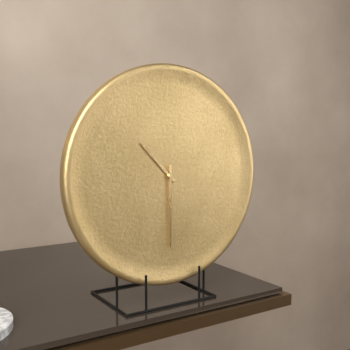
10h30
